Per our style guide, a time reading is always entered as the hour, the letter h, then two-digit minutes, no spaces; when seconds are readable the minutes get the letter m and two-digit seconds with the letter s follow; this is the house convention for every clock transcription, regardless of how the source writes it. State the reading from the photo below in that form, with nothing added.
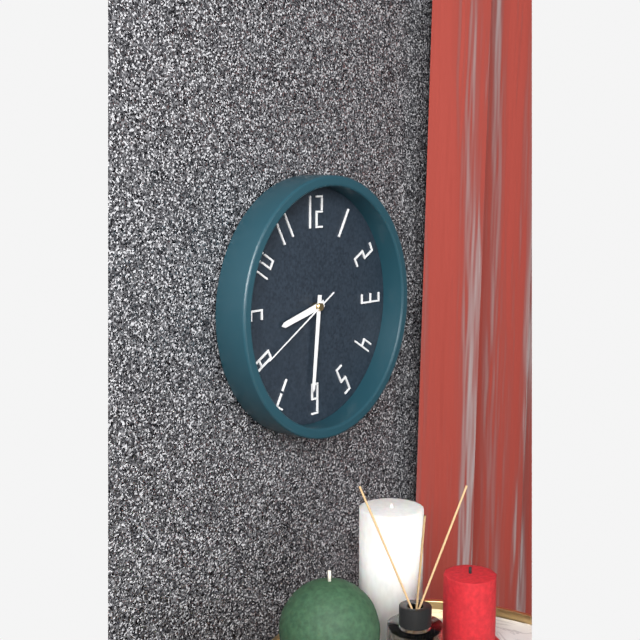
8h31m40s
